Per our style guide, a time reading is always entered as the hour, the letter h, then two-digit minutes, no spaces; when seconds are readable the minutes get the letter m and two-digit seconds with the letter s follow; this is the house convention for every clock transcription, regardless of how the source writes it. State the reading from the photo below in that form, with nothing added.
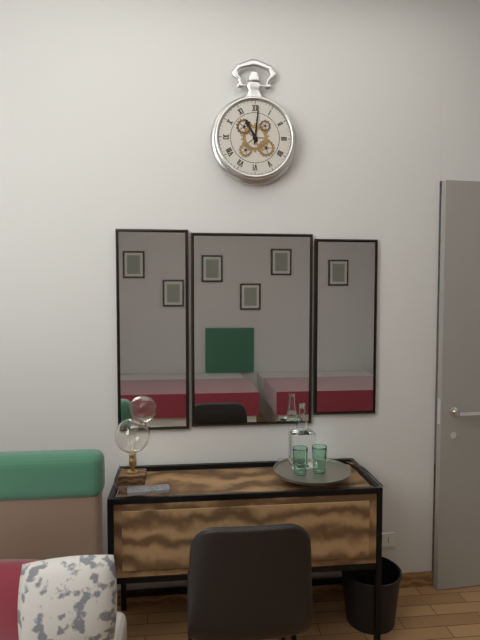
11h01
